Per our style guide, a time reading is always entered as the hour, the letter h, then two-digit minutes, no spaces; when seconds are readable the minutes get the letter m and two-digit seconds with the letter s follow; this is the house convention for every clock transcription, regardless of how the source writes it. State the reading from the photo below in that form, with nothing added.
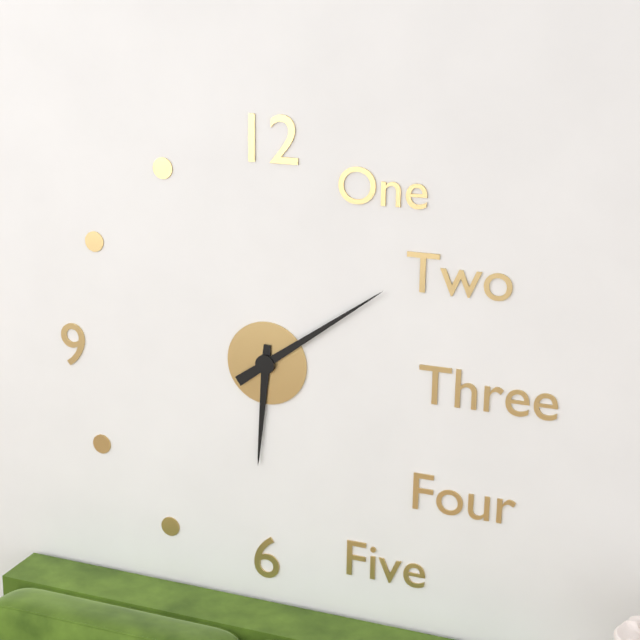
6h09
